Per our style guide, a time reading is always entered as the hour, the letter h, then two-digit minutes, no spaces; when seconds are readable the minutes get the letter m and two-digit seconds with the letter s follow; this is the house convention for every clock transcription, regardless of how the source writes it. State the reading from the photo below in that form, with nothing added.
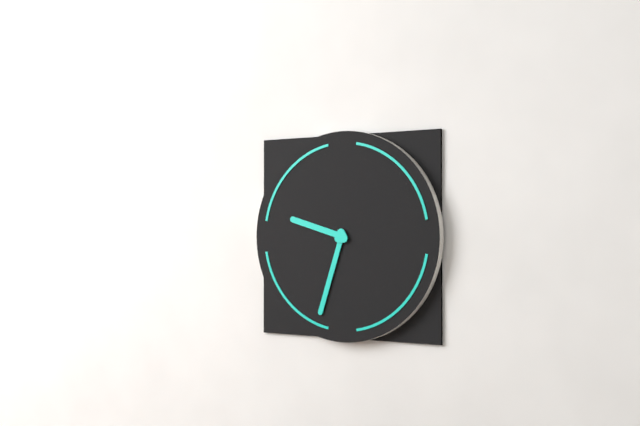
9h33
